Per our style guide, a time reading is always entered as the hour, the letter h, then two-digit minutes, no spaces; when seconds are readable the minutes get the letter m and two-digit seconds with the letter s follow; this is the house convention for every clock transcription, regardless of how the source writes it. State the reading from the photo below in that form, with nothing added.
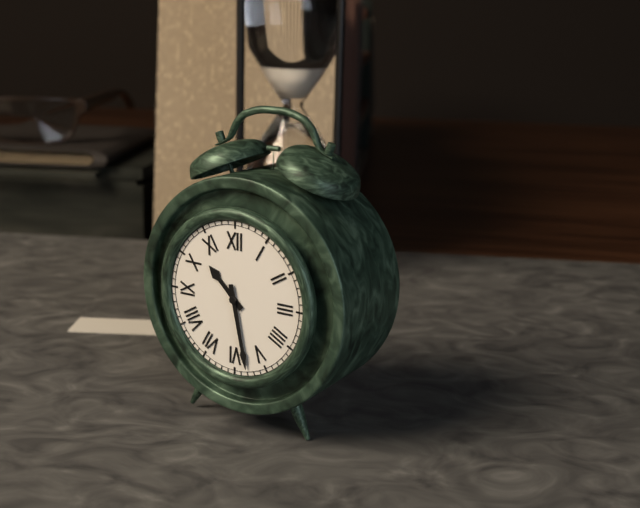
10h28
